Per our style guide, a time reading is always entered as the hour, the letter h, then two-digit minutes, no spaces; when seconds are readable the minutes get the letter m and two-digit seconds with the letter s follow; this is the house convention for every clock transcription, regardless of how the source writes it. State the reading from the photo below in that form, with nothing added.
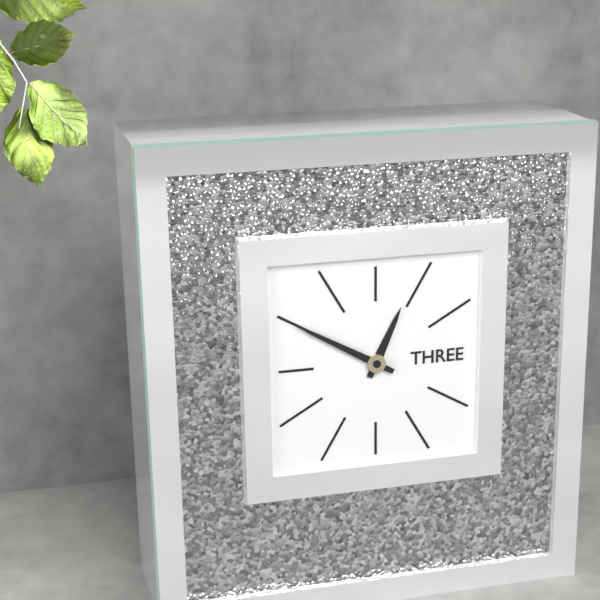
12h50
